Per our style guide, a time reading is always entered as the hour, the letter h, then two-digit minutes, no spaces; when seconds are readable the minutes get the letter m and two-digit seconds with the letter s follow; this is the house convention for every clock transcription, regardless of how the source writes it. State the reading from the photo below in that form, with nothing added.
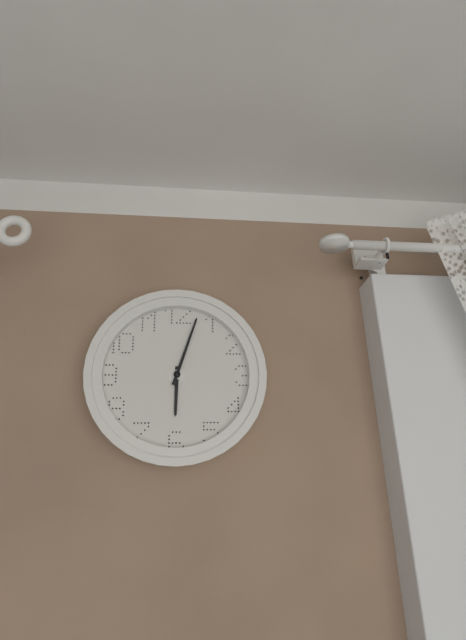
6h03
